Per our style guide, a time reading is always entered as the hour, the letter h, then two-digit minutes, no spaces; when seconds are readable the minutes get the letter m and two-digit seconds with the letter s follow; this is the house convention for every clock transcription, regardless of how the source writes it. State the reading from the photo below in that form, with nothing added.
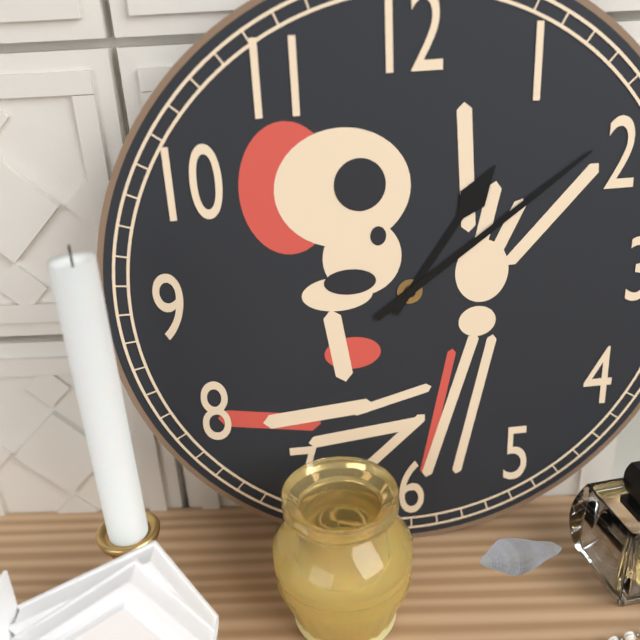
1h09
